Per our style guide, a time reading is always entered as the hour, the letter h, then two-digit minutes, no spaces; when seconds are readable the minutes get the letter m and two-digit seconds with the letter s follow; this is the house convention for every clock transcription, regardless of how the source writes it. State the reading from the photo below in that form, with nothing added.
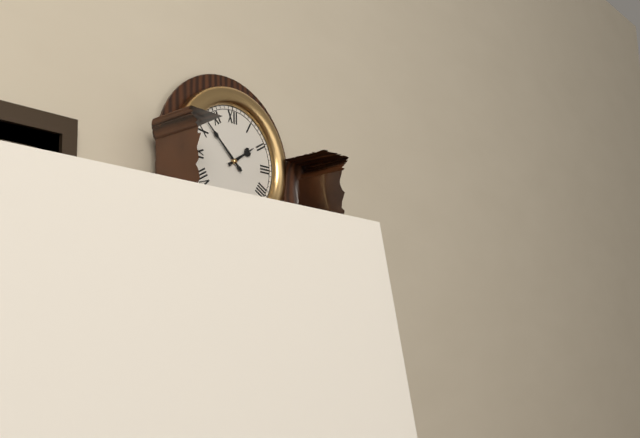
1h52
